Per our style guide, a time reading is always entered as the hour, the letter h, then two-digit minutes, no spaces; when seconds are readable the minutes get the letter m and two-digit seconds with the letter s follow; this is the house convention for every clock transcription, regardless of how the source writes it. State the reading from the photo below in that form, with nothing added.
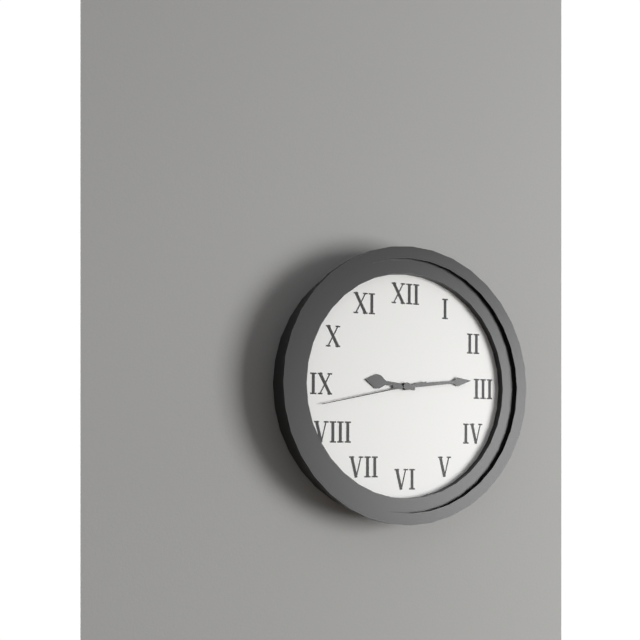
9h14m43s
